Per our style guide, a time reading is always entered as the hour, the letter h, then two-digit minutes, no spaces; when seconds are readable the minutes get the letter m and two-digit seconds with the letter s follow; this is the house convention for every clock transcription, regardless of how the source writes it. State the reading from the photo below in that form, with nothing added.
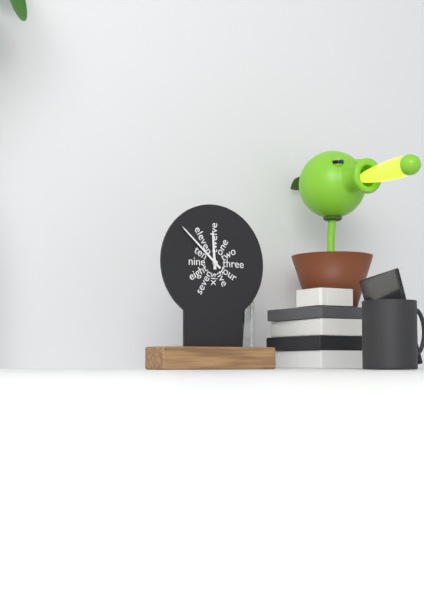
11h52
